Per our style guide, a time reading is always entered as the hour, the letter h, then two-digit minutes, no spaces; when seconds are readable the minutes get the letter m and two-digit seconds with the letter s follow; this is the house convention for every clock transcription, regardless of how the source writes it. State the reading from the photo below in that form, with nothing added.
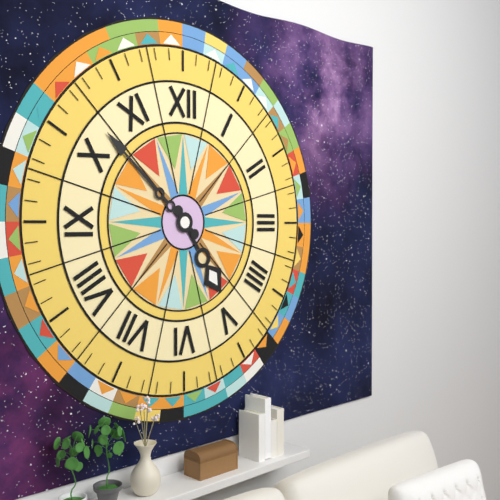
4h52
